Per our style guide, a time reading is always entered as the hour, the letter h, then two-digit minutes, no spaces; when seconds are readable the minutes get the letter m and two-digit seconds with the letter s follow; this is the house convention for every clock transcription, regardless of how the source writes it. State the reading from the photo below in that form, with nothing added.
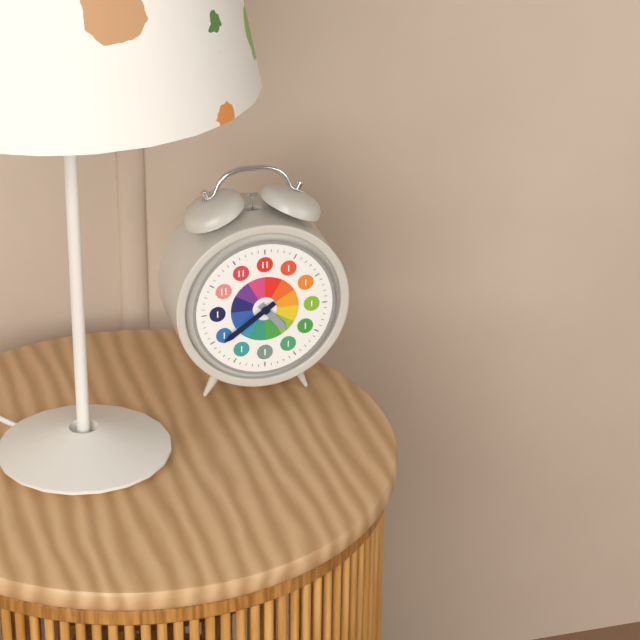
4h39
